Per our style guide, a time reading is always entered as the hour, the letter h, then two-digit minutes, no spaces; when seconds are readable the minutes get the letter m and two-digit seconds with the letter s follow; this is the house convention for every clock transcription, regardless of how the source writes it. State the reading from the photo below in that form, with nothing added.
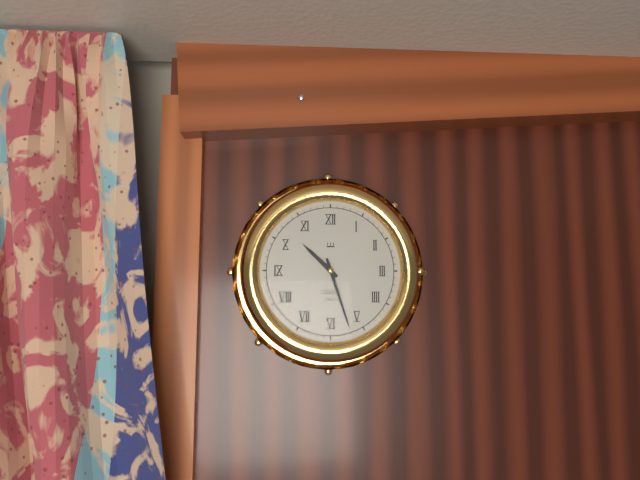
10h27
